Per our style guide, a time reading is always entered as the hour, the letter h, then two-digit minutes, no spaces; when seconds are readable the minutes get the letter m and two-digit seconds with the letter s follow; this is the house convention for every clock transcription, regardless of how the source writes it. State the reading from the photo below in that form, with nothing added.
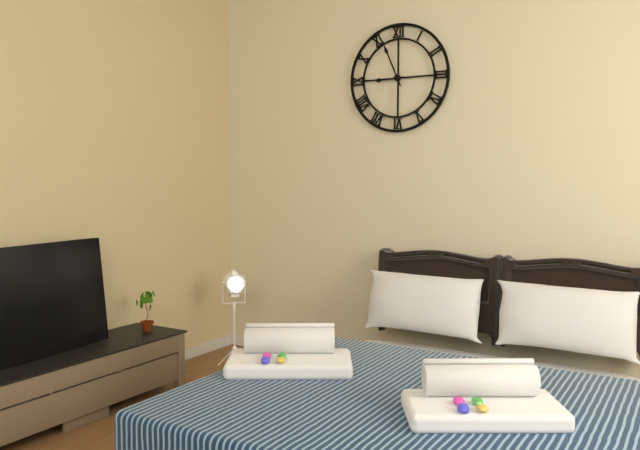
8h56
